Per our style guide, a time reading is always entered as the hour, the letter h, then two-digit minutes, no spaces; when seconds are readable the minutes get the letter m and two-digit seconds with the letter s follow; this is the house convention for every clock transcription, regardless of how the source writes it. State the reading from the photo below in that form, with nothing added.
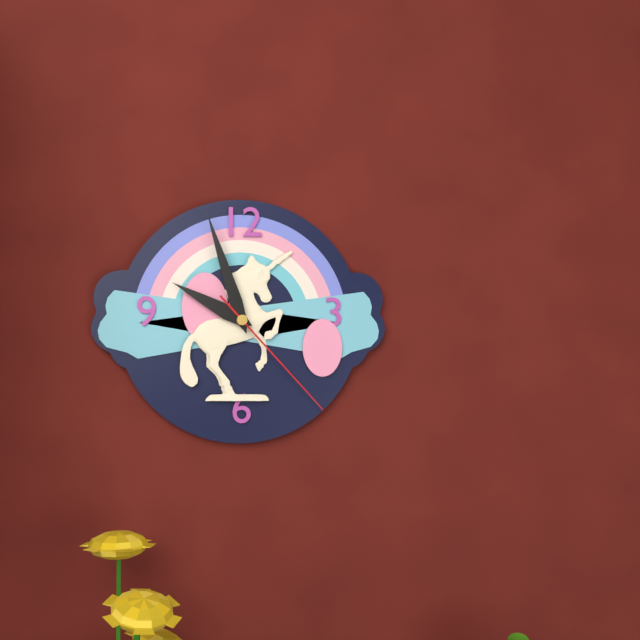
9h57m23s
